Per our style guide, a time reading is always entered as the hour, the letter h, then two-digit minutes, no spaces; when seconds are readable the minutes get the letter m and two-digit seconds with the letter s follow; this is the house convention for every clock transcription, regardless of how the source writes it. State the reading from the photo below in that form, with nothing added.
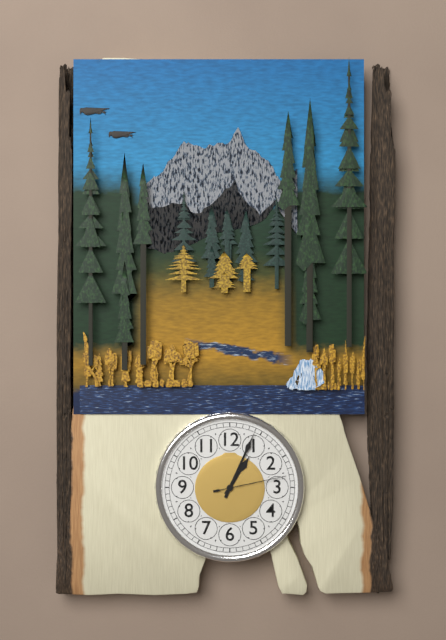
1h04m13s
